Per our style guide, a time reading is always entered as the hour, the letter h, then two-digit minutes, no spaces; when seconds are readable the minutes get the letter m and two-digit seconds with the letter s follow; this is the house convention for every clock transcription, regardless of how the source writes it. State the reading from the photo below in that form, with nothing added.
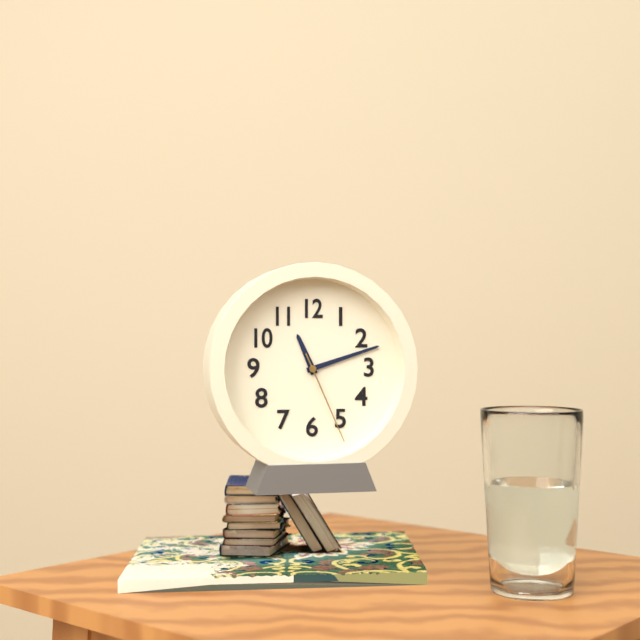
11h12m26s
